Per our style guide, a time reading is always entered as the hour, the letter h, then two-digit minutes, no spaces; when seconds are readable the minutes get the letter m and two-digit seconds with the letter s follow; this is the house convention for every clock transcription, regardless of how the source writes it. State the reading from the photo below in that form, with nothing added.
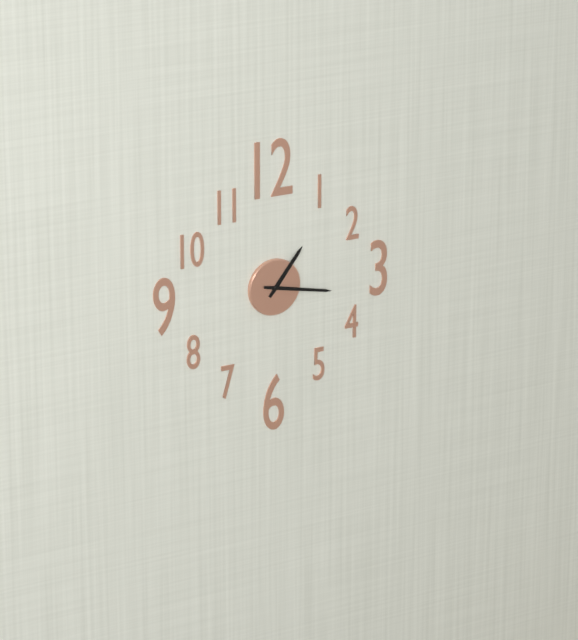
1h17
